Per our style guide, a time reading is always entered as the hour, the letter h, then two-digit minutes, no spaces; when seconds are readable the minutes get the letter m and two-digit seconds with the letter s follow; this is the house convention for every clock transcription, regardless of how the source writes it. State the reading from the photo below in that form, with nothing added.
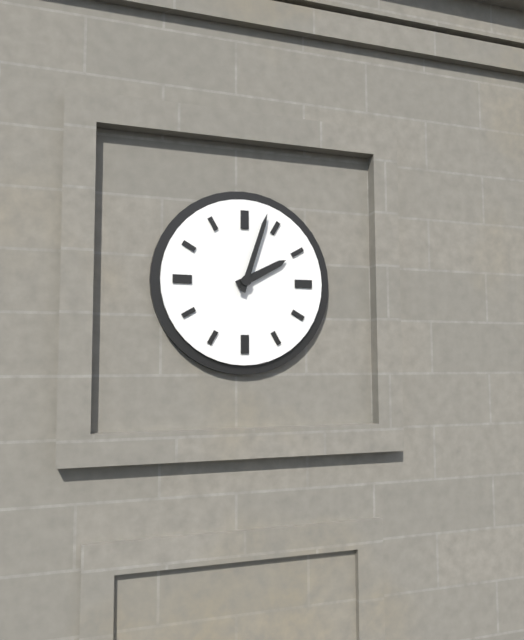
2h03
